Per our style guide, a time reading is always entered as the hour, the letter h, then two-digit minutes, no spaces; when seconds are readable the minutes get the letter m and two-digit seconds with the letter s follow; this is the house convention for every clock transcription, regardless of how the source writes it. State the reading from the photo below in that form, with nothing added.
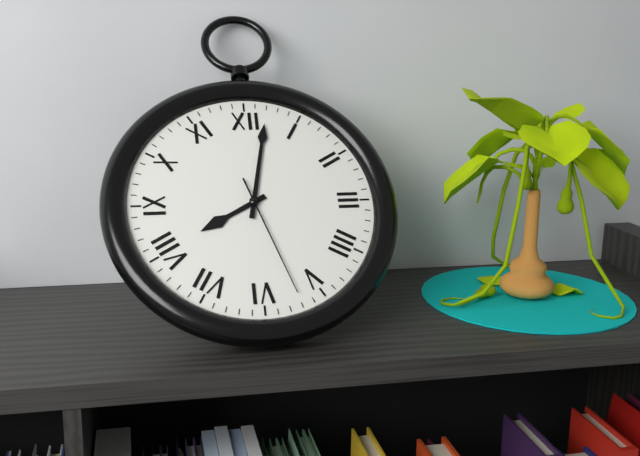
8h02m27s
